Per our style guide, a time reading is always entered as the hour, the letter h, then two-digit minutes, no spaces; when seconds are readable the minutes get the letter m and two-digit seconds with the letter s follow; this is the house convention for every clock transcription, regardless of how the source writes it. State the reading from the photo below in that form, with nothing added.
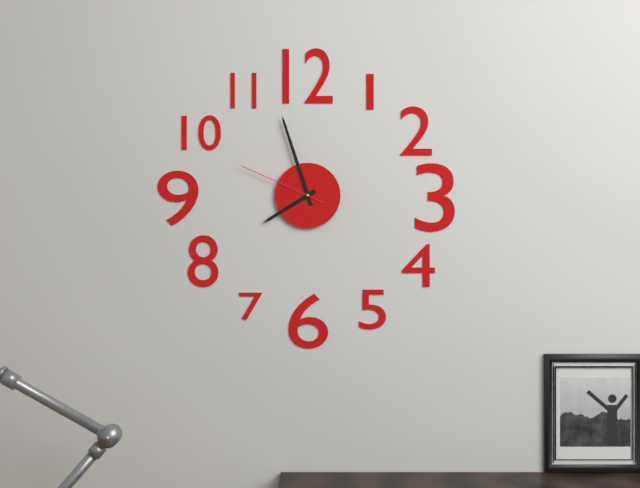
7h57m49s
